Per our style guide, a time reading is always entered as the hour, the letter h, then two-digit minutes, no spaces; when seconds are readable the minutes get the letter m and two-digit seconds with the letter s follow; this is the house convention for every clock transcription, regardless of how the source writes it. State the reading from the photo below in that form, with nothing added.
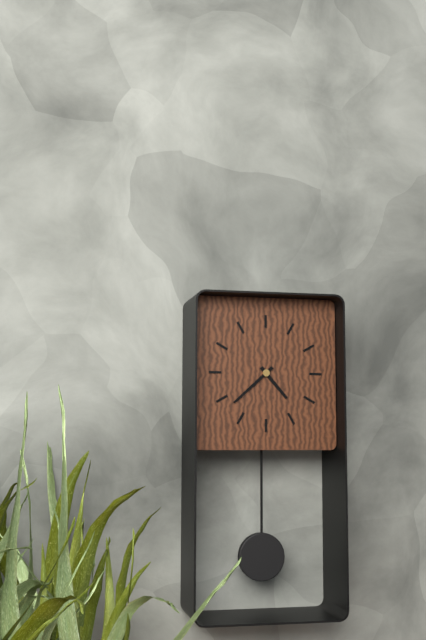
4h38
